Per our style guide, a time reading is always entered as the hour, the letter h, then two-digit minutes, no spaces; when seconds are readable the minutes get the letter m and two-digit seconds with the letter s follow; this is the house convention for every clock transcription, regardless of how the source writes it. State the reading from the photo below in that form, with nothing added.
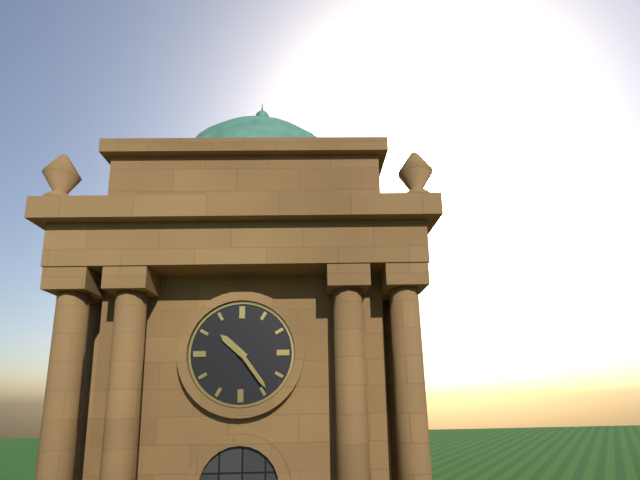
10h24
